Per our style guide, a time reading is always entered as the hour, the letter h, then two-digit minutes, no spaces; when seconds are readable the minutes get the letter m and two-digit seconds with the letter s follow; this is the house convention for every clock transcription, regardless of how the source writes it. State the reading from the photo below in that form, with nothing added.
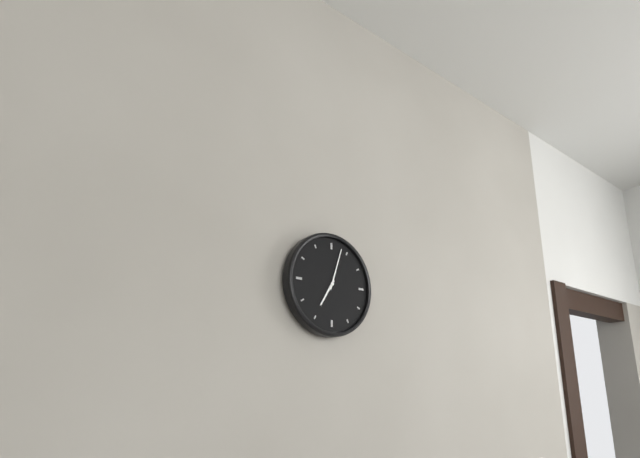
7h03
